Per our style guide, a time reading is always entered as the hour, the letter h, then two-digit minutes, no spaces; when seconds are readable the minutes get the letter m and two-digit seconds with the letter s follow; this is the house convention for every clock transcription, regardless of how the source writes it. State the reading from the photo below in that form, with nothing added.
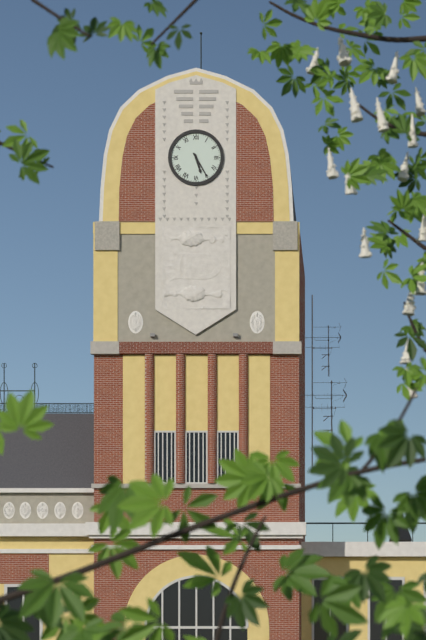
5h25
